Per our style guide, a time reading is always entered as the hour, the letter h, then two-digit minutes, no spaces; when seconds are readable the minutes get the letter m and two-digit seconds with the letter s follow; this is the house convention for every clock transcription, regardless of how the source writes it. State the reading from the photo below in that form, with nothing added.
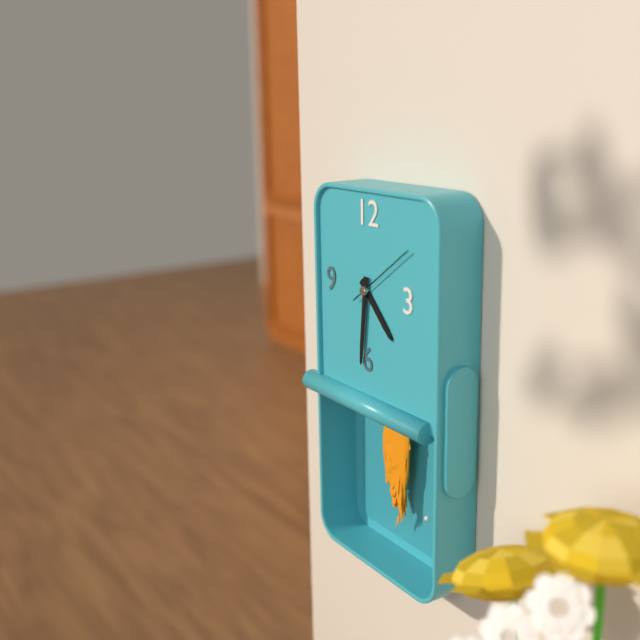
4h31
